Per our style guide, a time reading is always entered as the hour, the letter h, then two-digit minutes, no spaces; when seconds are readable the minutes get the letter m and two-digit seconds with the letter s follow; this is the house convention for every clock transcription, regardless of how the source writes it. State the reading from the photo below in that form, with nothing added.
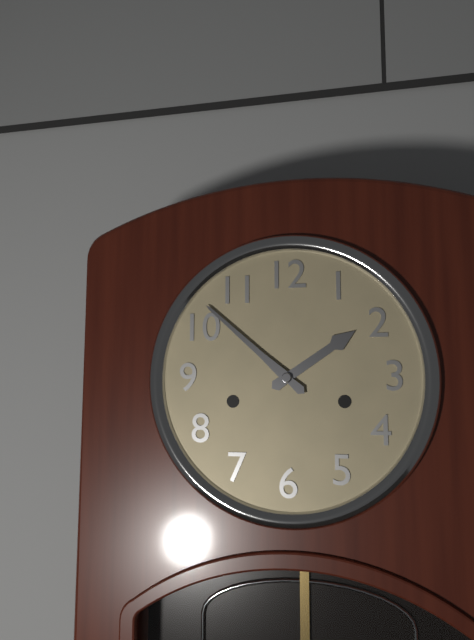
1h52
